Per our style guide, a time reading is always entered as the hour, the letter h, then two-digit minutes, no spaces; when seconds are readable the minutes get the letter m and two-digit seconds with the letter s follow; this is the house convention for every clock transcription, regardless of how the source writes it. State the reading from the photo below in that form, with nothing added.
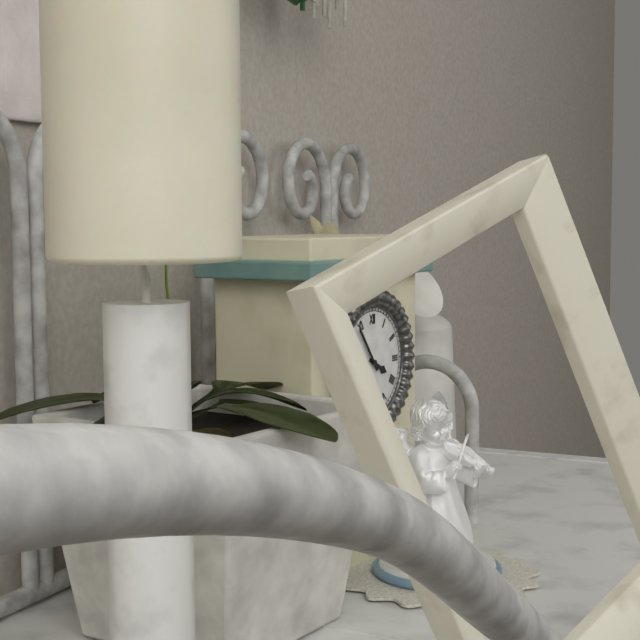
3h54
